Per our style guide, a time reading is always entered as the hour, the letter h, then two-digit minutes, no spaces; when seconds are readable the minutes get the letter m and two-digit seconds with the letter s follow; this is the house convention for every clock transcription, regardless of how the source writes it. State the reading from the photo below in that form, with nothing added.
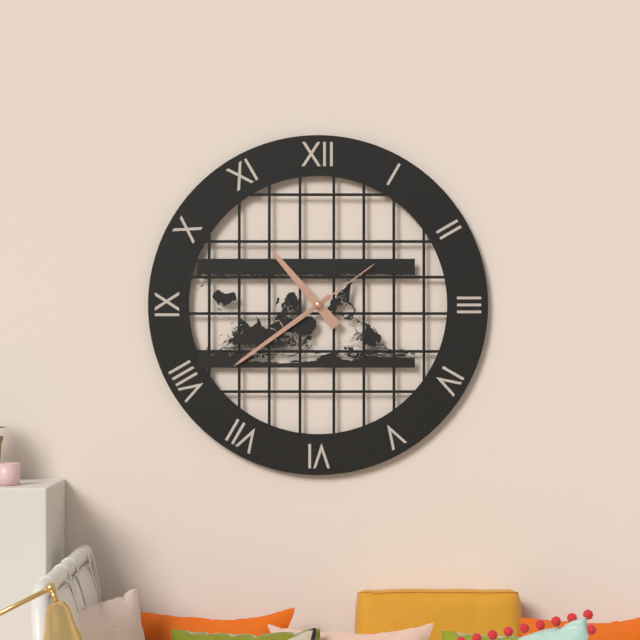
10h39m09s
